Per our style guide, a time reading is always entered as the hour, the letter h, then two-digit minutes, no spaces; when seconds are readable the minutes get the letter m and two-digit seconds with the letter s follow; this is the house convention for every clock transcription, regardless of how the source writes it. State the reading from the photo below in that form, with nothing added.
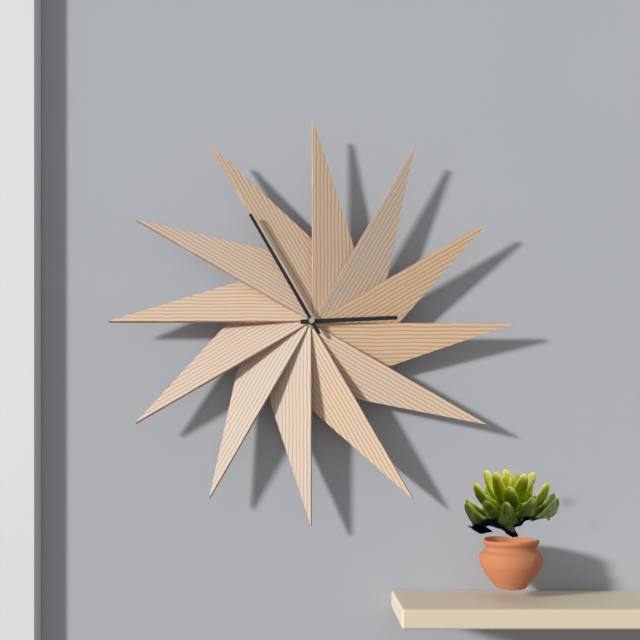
2h55
